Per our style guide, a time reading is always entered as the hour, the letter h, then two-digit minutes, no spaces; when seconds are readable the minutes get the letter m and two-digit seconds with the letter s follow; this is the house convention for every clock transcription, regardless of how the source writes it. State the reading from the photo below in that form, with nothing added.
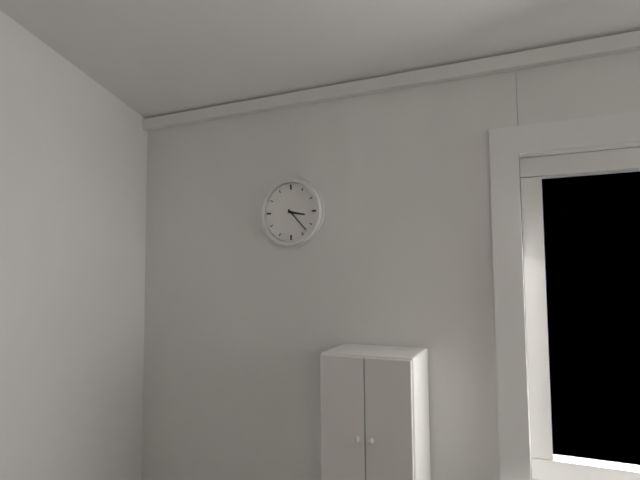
3h23
